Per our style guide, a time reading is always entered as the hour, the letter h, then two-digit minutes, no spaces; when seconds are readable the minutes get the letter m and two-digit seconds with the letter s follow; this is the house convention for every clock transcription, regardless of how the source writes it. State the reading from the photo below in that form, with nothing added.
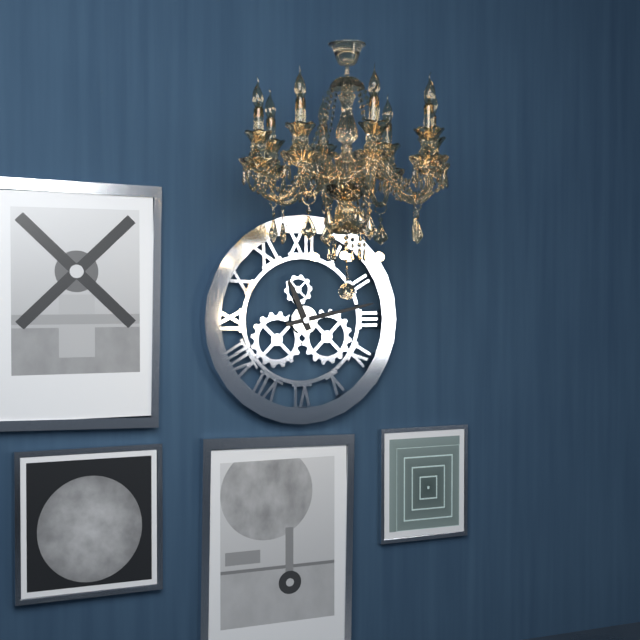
11h13
